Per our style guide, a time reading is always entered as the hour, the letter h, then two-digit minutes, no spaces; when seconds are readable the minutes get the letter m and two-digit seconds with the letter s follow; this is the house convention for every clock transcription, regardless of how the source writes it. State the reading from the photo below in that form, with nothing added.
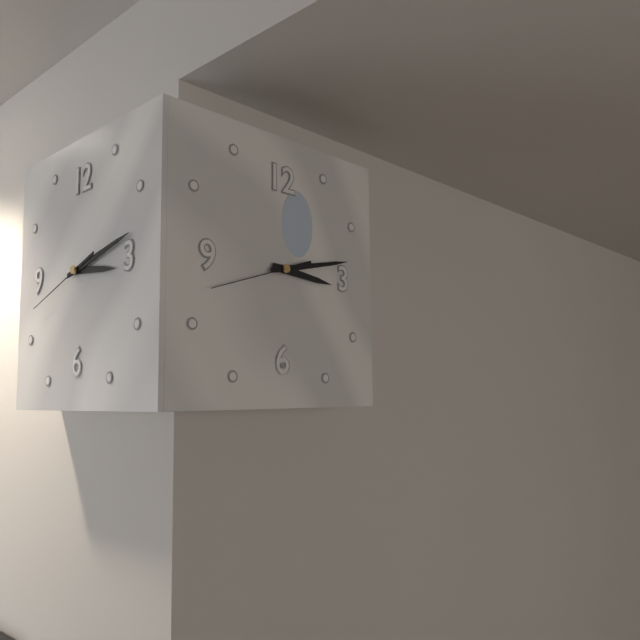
3h13m42s
